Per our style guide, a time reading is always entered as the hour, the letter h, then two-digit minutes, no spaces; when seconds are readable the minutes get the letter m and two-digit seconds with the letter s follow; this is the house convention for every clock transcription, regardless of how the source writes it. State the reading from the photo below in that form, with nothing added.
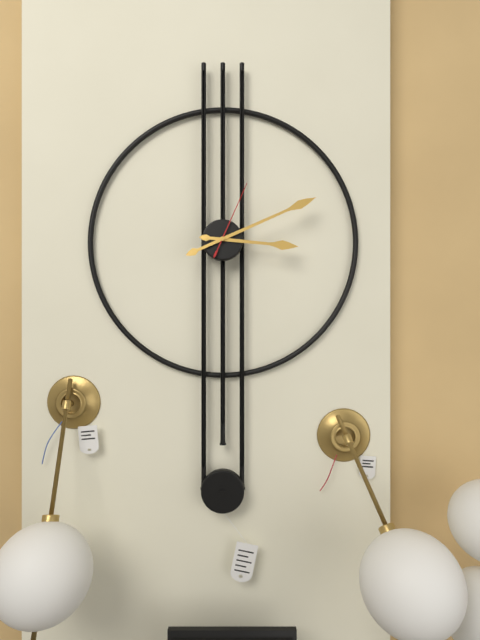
3h11m04s
